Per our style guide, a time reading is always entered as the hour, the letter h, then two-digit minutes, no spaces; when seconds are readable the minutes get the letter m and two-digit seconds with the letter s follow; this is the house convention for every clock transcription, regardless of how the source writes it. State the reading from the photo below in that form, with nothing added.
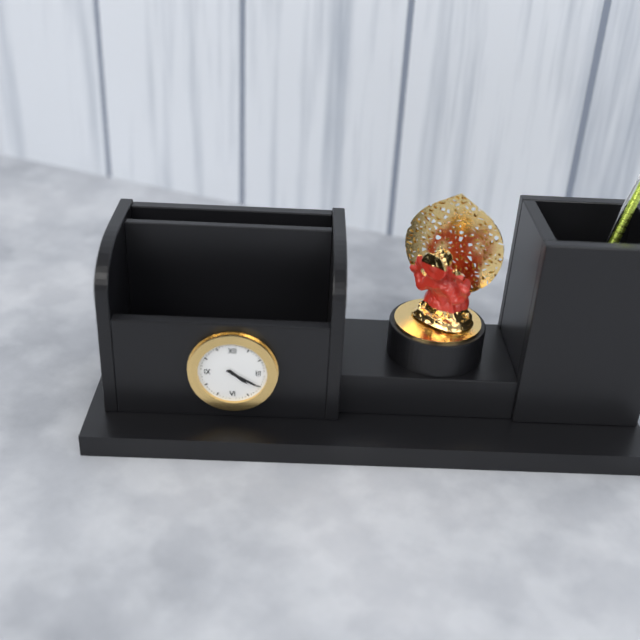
4h20
